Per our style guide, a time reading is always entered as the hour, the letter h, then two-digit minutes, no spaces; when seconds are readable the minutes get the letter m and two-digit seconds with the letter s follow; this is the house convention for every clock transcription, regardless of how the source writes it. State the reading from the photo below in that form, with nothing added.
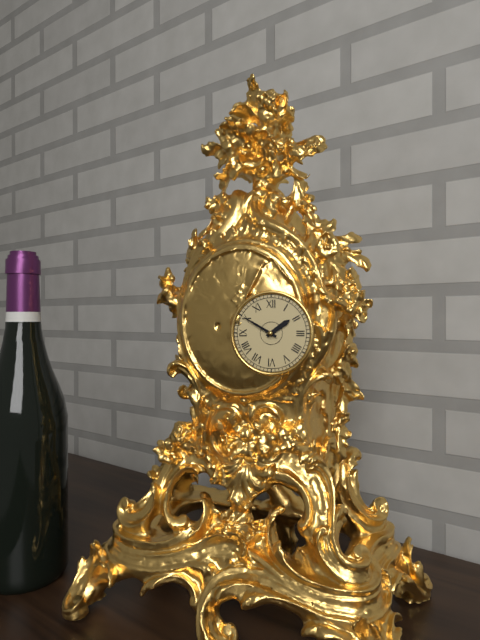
1h50
